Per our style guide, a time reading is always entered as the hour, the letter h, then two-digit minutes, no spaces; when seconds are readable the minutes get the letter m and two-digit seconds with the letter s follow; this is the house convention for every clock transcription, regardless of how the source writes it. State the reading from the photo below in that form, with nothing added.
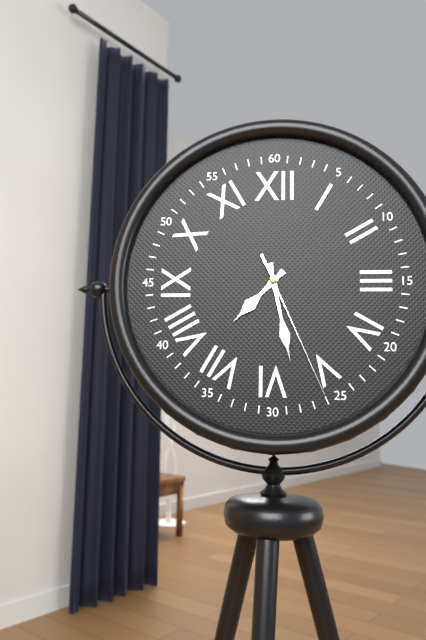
7h28m26s
